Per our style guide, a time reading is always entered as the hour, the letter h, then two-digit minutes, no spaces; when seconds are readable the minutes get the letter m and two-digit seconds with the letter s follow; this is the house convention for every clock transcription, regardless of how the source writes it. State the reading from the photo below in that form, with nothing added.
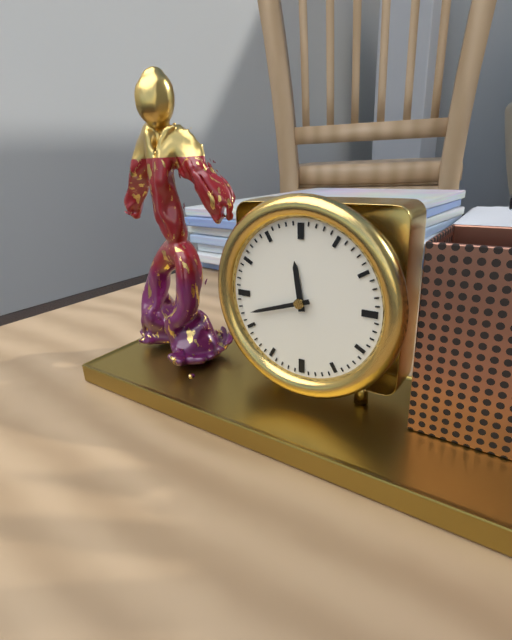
11h42
